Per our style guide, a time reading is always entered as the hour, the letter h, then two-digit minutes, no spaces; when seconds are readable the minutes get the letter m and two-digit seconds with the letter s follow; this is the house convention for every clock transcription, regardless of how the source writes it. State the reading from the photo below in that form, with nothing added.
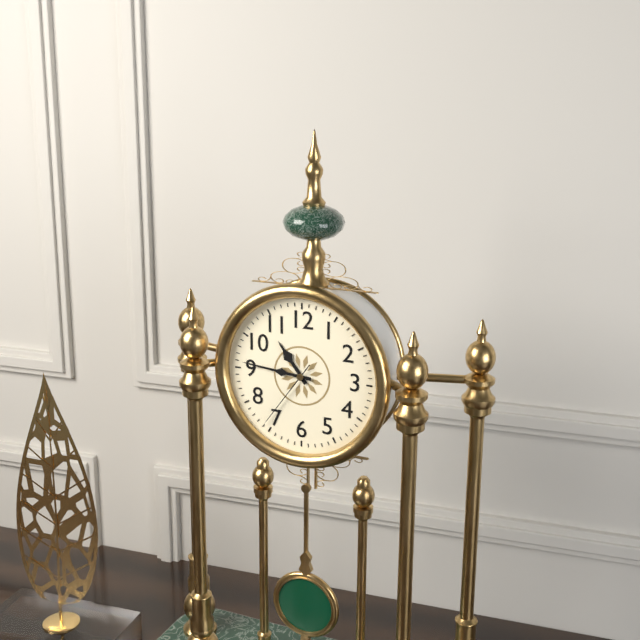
10h46m36s
